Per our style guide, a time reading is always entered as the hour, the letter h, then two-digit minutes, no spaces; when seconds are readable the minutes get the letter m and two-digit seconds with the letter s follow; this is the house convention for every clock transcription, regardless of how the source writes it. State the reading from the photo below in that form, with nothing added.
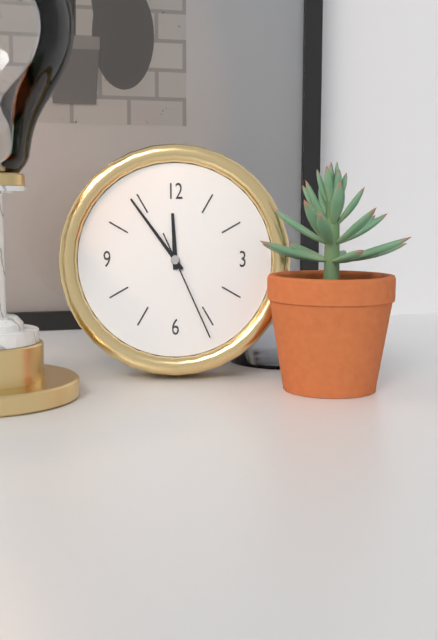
11h54m26s
